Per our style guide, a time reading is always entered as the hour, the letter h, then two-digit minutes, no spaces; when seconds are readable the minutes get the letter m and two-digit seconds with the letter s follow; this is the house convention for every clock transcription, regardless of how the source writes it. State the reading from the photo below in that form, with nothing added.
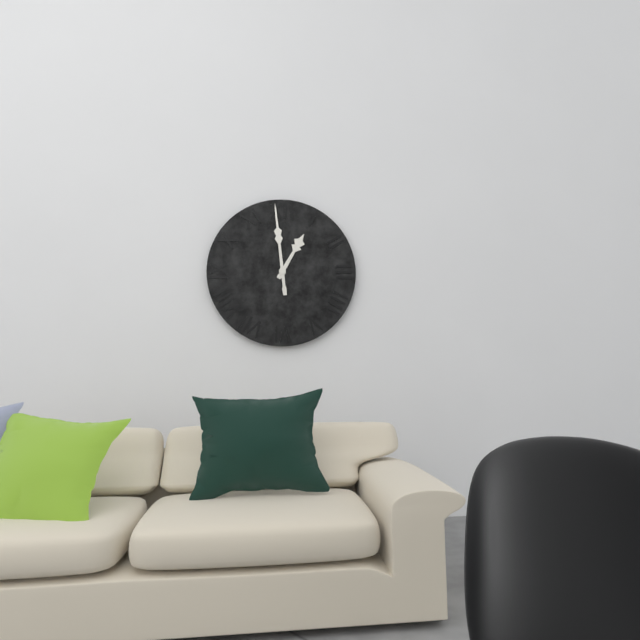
12h59
